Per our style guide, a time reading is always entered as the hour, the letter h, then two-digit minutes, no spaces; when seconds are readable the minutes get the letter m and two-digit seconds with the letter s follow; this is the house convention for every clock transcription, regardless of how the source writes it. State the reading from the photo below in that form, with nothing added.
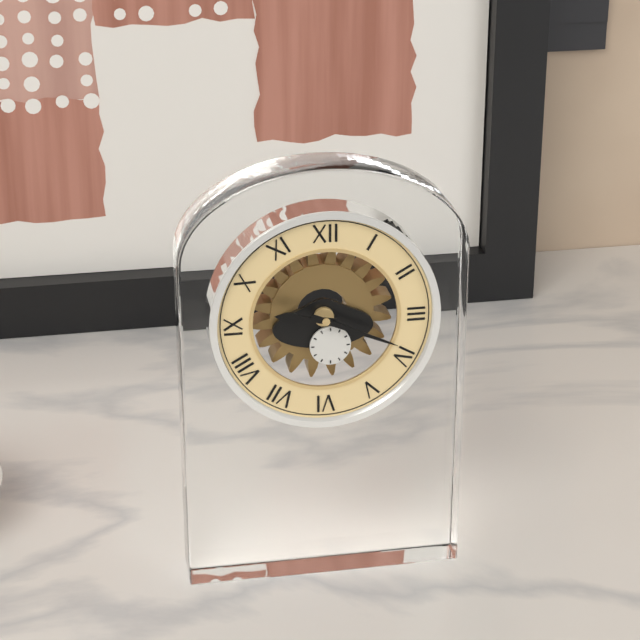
9h19
